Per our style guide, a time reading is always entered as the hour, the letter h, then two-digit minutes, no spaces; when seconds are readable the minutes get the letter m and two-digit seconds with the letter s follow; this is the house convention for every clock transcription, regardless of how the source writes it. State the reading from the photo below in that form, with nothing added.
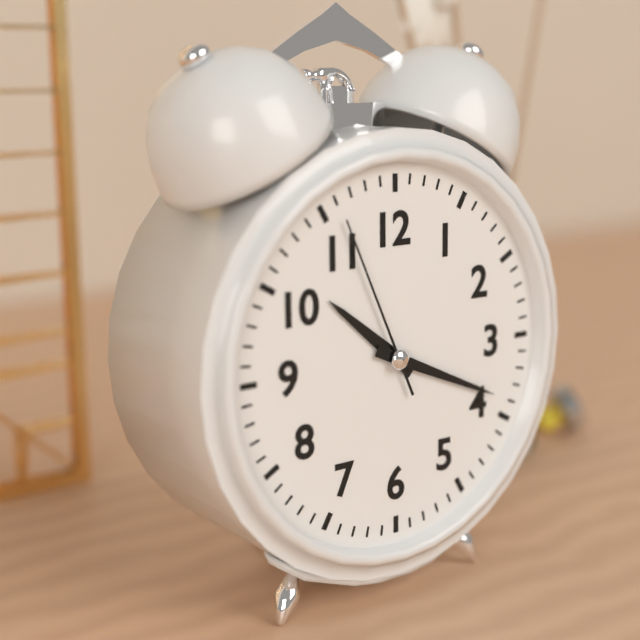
10h19m56s
